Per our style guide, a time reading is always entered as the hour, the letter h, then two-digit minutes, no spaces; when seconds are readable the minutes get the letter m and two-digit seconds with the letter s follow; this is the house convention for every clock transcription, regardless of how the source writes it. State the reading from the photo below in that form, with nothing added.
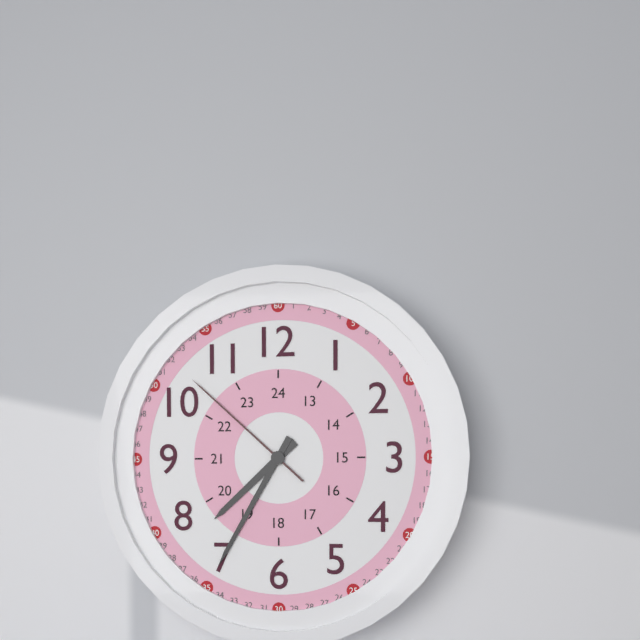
7h35m52s
